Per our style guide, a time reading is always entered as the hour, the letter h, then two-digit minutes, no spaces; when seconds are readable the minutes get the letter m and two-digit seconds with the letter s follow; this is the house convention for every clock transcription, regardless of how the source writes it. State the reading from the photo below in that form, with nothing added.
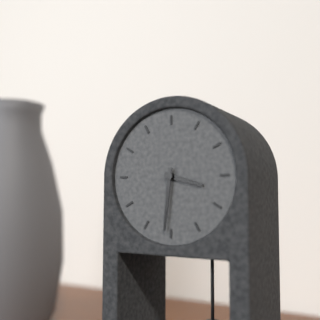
3h31
